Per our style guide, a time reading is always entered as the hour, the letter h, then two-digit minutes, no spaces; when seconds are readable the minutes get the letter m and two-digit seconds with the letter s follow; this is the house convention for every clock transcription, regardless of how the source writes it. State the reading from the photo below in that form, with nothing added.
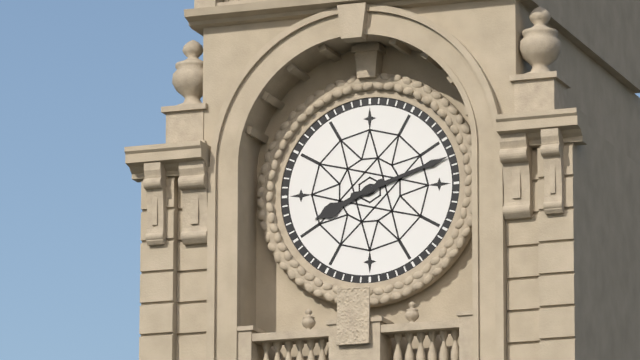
8h12
